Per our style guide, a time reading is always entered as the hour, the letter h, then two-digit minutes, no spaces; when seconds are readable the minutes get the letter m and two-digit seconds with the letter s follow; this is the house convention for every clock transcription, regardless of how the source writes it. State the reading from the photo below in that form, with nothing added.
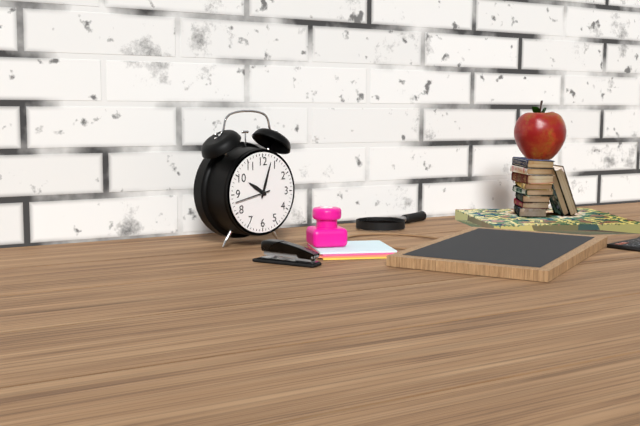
10h03
